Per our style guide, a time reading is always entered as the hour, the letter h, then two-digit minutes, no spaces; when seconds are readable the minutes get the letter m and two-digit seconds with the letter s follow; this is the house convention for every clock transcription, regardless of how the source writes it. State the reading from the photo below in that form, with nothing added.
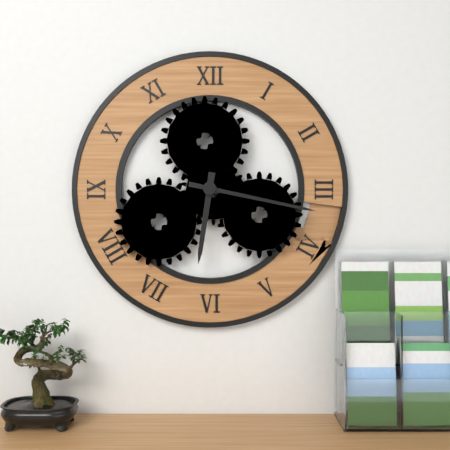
6h17
